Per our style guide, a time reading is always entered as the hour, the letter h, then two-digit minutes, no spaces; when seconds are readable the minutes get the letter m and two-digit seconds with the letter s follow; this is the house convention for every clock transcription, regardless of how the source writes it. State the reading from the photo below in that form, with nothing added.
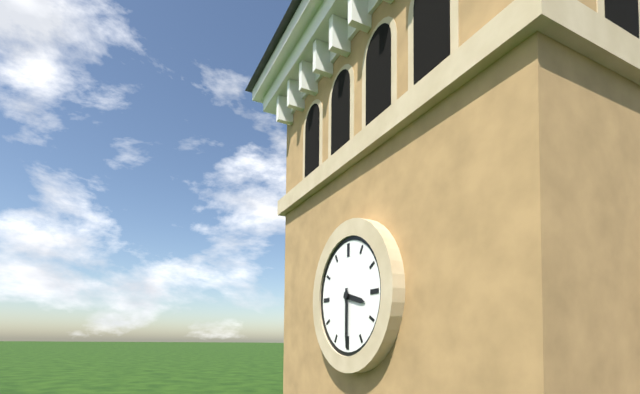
3h30
